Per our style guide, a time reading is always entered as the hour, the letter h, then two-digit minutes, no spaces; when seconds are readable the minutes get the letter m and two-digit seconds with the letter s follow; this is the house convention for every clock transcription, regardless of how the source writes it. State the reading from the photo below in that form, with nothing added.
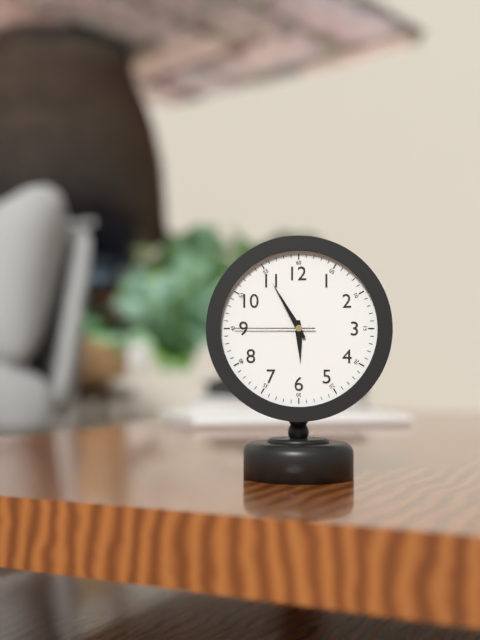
5h55m45s
